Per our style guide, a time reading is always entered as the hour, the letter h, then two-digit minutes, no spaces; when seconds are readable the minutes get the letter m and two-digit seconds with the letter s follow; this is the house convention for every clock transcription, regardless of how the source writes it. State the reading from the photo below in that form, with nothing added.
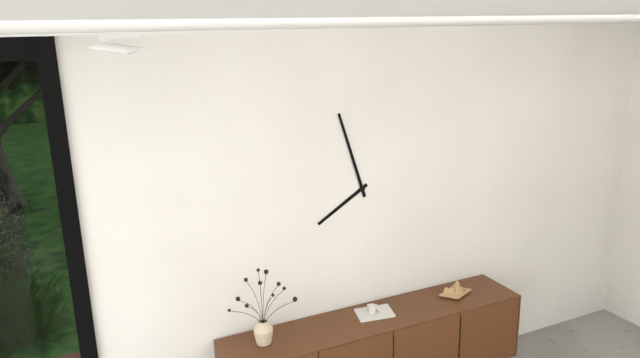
7h57
